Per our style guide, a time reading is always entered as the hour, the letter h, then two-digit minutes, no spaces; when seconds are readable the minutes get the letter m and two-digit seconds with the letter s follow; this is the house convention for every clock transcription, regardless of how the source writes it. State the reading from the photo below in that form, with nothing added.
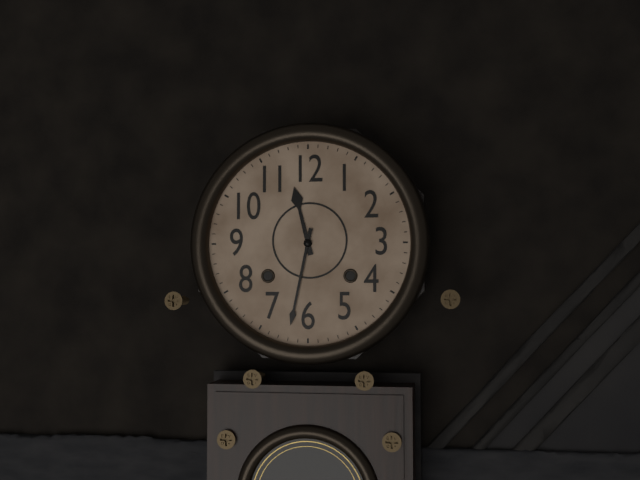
11h32
